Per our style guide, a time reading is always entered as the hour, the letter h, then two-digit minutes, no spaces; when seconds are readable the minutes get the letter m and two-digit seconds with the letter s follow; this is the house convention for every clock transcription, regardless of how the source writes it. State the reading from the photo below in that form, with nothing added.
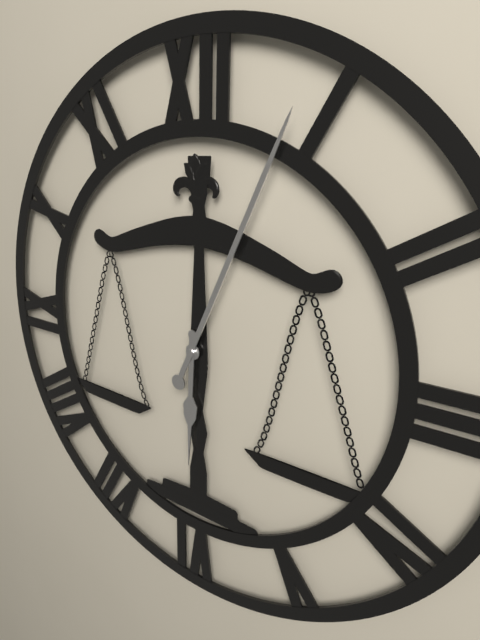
6h04
